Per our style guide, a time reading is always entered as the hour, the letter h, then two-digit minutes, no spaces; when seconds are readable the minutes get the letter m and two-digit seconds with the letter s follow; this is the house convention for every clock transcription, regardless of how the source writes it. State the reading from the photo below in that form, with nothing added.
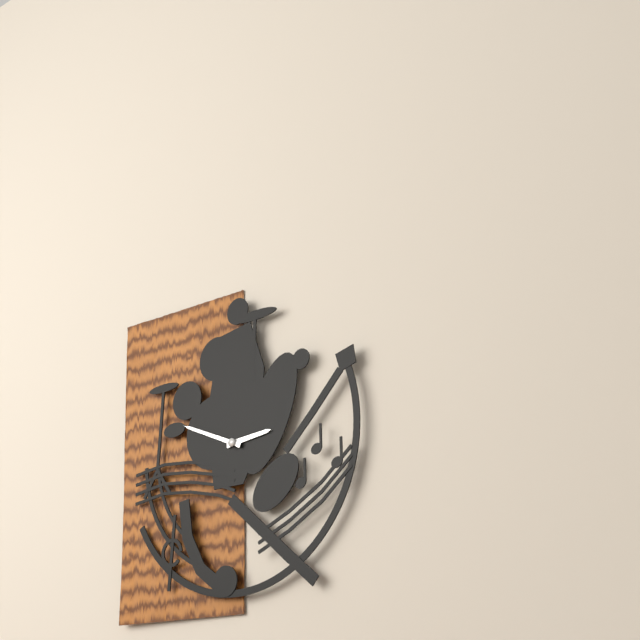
2h49
